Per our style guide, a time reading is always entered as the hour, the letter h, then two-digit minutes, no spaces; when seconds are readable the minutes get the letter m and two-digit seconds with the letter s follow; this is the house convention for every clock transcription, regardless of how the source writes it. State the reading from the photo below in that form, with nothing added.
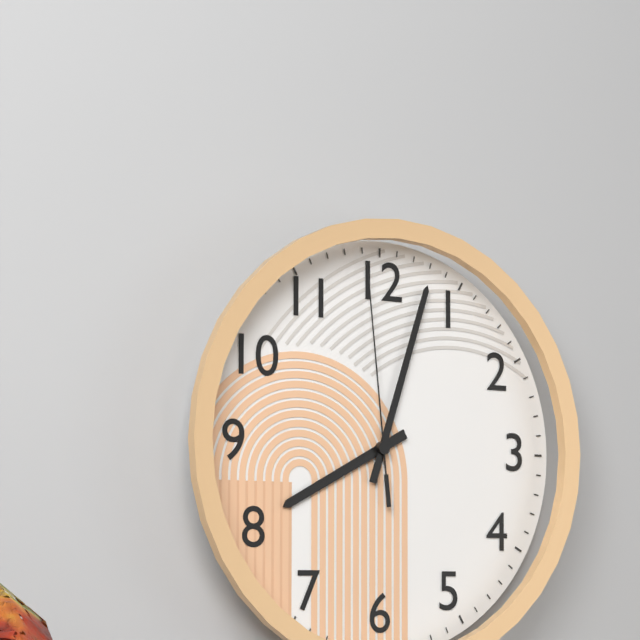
8h03m59s
